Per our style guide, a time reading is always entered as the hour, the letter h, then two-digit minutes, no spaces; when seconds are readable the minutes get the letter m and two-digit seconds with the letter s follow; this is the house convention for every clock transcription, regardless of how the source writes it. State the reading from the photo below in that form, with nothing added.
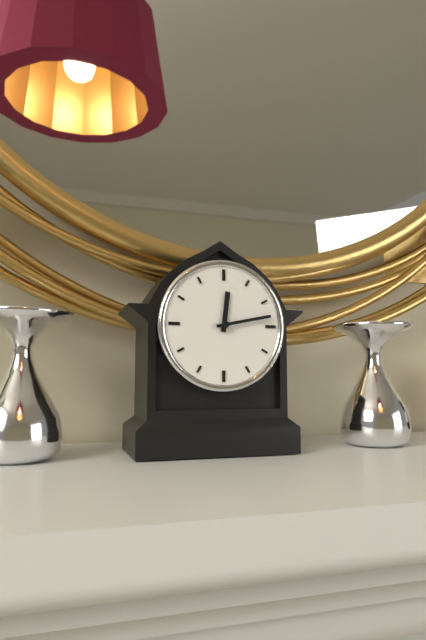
12h13
